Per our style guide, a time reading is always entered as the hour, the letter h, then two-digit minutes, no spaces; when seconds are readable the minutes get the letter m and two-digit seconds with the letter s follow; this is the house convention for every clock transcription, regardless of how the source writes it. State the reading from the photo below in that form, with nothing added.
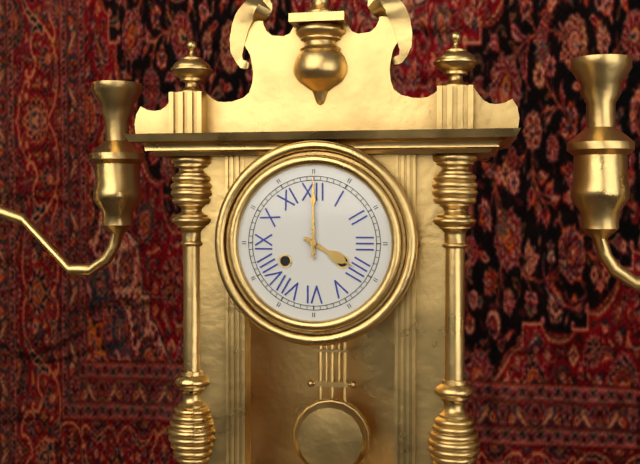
4h00
